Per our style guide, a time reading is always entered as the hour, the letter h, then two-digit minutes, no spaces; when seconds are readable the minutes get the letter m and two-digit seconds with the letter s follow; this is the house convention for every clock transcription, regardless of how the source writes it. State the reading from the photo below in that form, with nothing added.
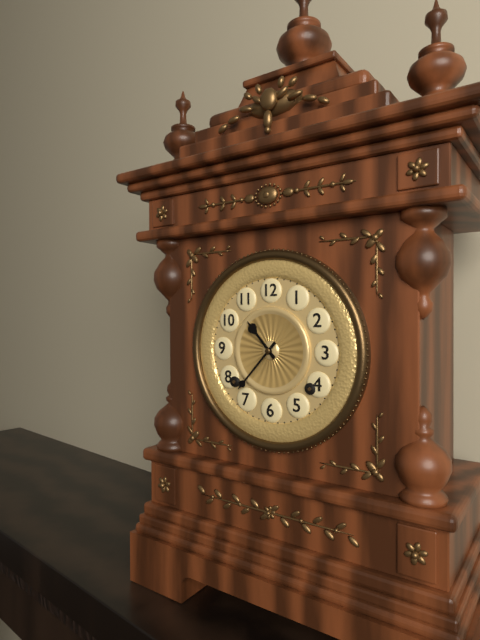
10h37
